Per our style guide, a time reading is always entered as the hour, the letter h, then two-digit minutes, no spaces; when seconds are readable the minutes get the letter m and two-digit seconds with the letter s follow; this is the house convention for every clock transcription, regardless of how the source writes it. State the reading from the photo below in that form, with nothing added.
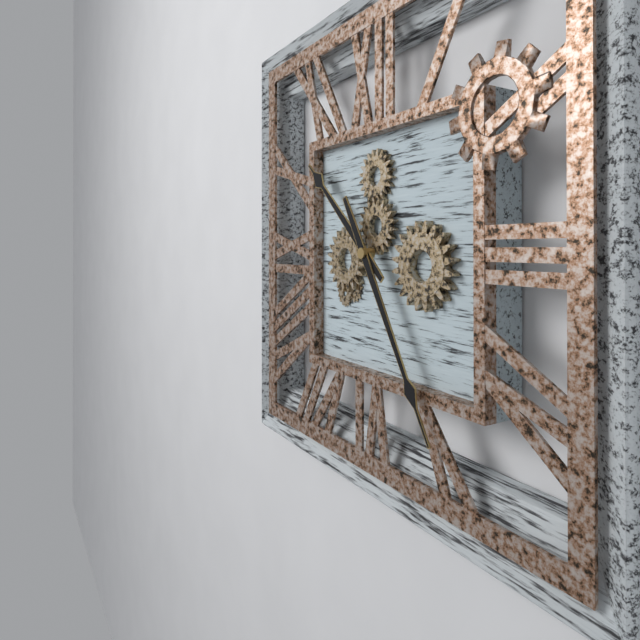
10h25
